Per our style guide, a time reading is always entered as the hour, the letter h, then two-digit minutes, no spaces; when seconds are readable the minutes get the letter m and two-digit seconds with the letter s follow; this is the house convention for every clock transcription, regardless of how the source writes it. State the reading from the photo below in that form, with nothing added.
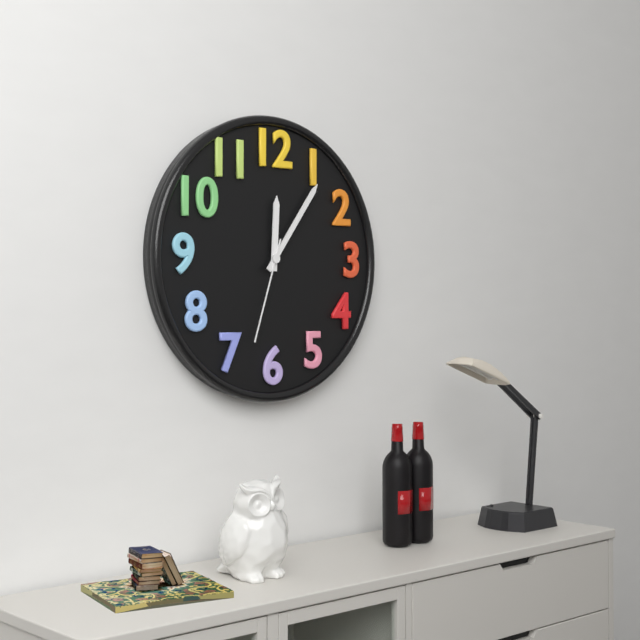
12h06m33s
